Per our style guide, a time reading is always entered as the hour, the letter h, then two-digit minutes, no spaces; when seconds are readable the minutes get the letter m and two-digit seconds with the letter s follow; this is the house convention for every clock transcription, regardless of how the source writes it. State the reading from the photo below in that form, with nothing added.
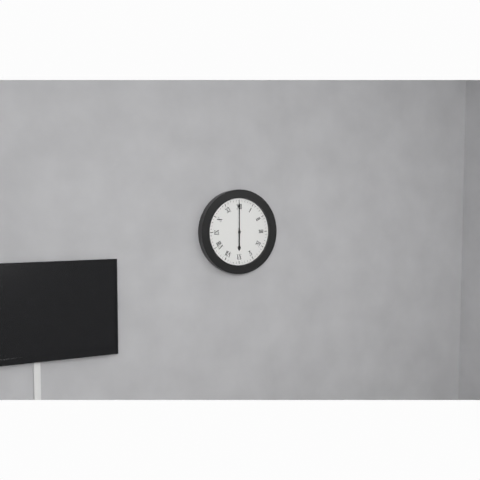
6h00
